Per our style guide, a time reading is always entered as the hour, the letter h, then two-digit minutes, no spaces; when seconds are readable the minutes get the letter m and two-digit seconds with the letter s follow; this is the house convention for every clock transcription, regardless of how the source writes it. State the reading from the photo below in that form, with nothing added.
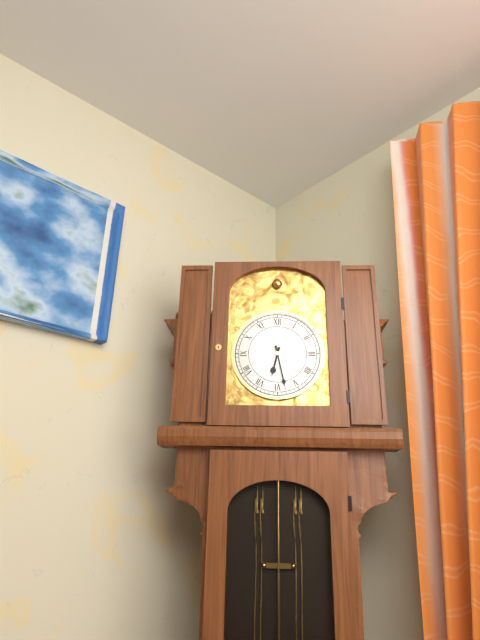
6h28
